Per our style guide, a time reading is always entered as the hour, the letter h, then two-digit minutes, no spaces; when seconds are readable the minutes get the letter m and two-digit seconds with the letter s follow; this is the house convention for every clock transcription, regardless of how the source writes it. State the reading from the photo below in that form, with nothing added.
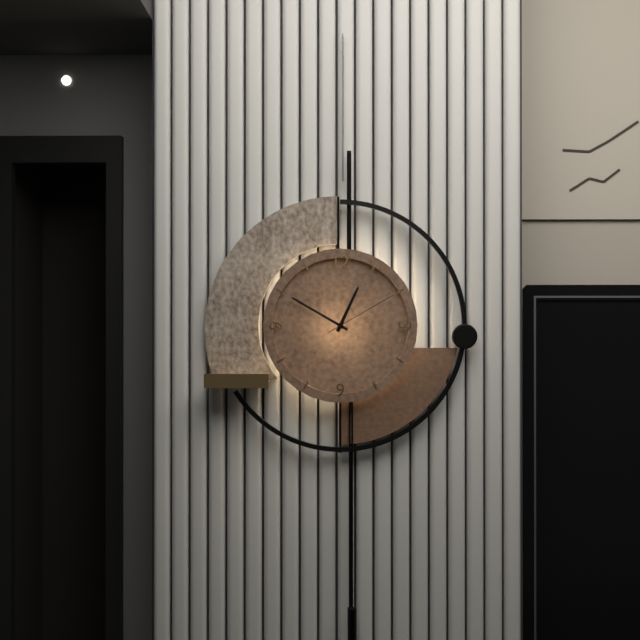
12h50m10s
